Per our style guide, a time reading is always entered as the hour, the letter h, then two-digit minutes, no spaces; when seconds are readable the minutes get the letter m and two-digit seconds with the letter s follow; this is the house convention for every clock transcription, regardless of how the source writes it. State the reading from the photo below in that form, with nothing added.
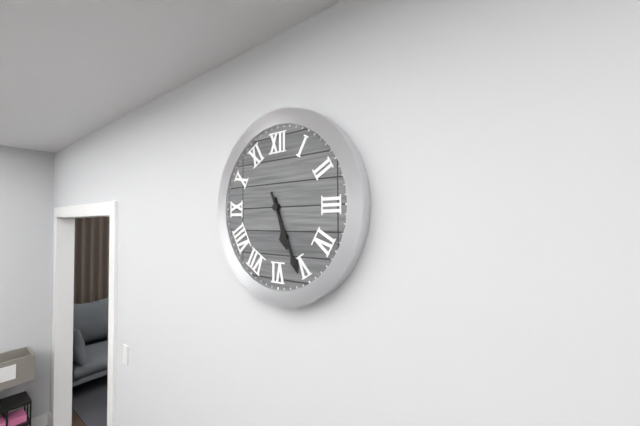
5h26
